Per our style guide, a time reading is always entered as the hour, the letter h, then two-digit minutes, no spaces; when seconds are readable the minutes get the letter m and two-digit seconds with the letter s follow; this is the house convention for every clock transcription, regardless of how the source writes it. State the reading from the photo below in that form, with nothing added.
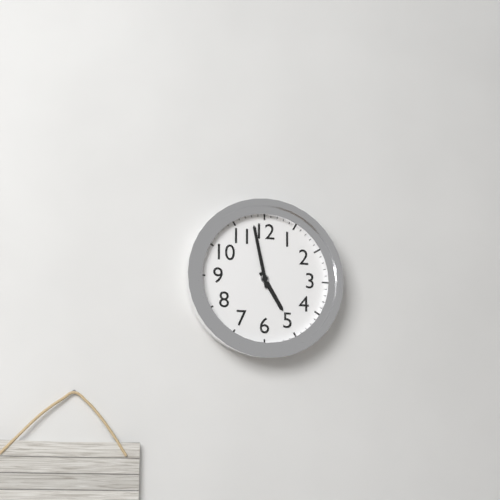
4h58
